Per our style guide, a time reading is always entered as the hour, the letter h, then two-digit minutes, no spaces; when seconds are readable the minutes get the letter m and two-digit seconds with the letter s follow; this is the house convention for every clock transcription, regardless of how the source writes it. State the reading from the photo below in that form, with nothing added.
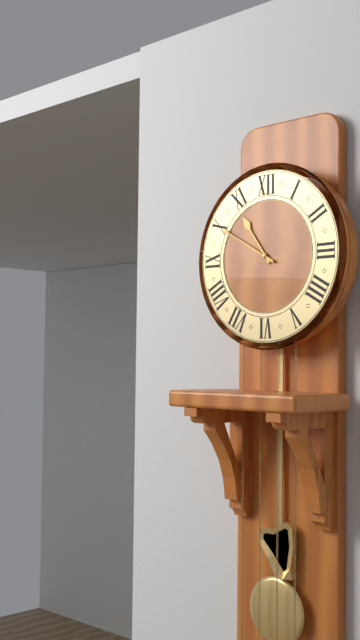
10h50
